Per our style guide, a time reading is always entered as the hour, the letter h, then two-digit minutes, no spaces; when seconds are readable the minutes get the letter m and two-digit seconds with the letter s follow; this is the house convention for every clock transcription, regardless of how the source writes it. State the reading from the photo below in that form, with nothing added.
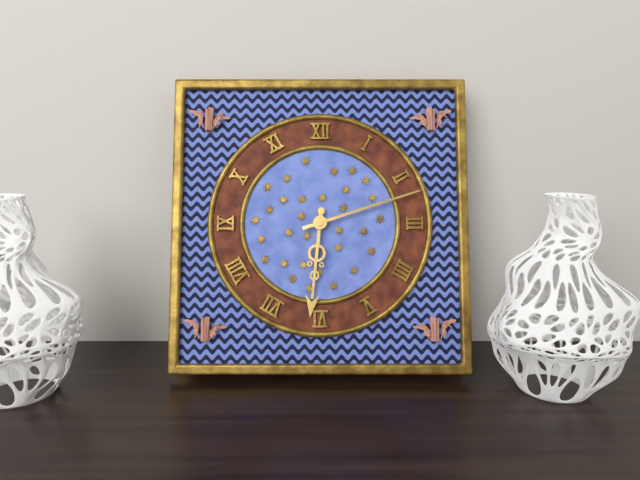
6h12
